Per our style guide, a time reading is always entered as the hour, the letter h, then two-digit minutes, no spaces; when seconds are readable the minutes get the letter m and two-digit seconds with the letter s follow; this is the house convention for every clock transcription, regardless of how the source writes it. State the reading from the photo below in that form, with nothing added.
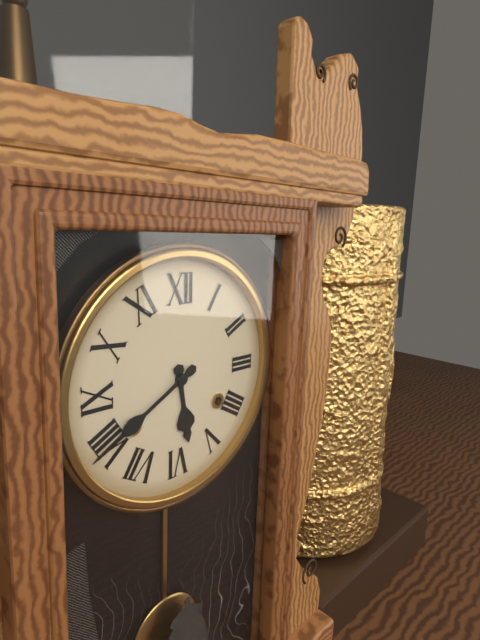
5h40
